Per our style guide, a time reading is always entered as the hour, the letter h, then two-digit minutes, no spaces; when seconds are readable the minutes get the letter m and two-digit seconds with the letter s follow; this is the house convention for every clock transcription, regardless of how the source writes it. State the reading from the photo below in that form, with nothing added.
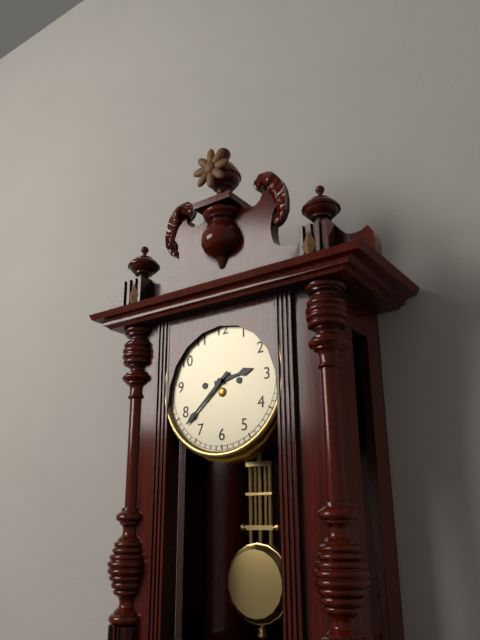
2h38
